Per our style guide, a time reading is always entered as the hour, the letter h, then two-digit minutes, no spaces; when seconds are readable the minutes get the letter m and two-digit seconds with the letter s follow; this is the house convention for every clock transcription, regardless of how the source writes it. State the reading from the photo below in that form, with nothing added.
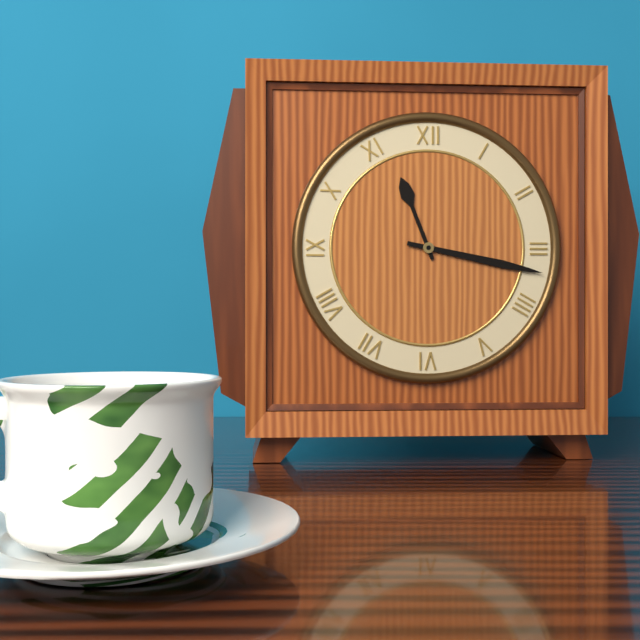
11h17
